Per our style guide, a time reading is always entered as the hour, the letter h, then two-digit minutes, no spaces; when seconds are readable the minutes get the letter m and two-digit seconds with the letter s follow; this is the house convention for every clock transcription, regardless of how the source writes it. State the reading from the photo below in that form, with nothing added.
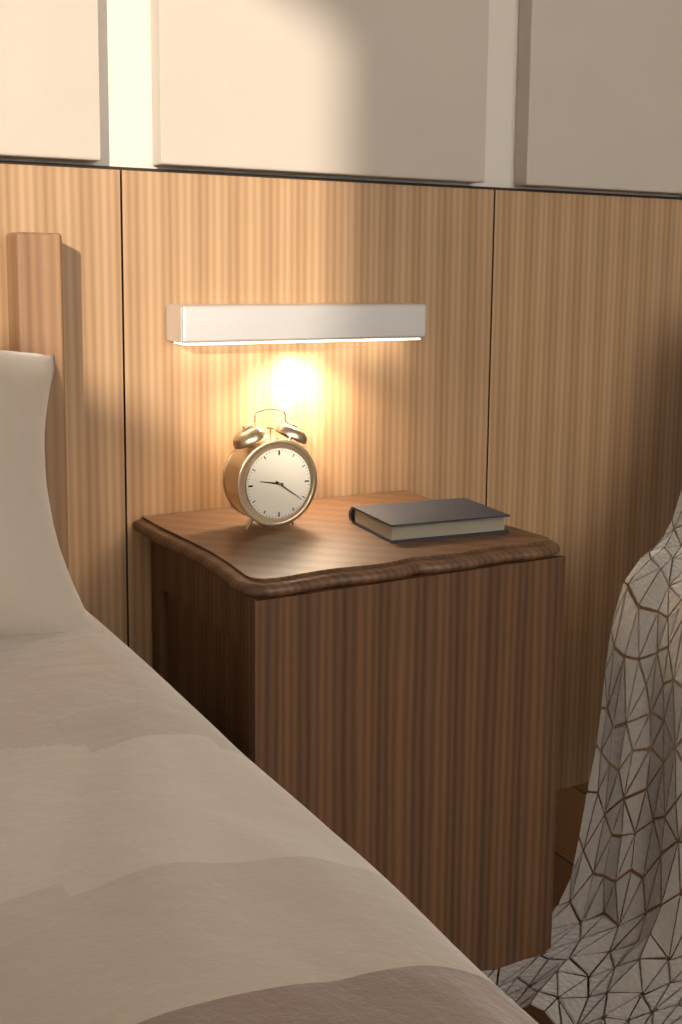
9h21
